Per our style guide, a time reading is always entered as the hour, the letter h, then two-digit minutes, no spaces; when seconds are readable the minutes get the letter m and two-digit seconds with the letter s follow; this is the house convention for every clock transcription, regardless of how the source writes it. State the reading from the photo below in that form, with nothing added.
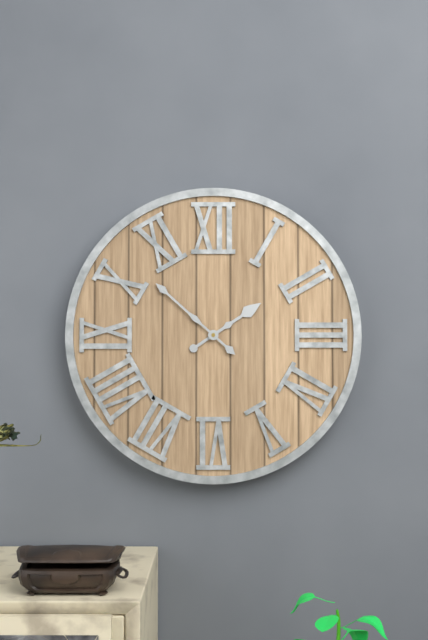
1h52
